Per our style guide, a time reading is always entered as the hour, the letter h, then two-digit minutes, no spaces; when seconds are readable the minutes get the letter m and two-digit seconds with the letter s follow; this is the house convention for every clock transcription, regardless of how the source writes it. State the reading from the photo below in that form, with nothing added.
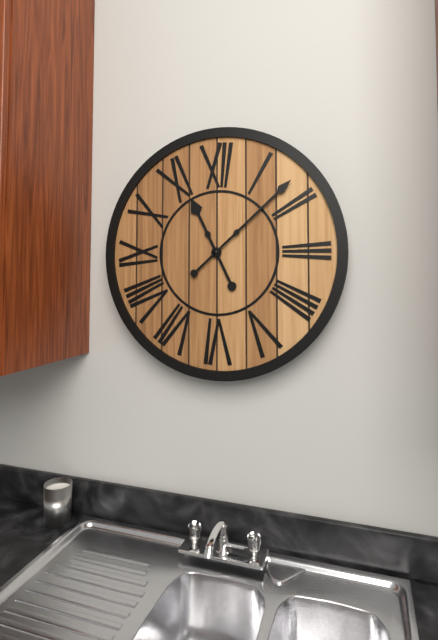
11h08
